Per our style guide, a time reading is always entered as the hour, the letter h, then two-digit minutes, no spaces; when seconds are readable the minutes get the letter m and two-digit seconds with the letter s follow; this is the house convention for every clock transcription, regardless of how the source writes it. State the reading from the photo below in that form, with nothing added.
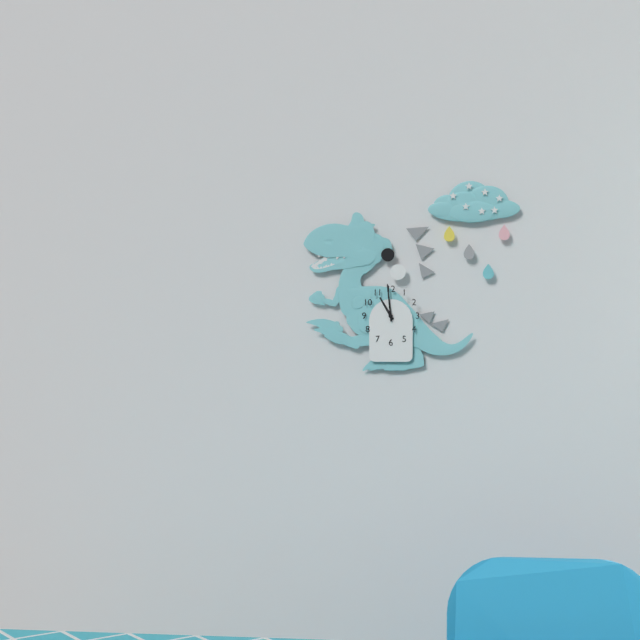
10h59
